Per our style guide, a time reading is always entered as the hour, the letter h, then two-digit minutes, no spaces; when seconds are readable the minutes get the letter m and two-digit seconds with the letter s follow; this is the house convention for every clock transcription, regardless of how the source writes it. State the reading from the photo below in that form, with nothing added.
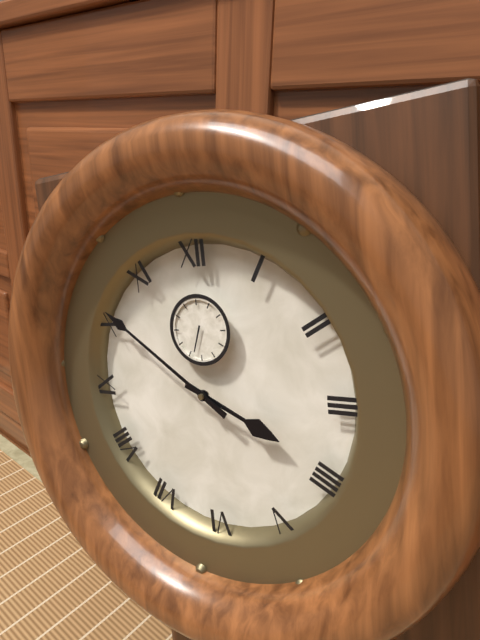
3h51
